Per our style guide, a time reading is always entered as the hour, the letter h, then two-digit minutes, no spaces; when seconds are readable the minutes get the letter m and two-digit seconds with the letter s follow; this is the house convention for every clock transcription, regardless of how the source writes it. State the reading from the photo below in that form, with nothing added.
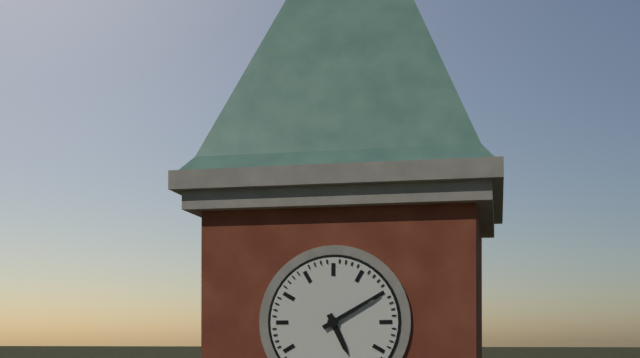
5h10
